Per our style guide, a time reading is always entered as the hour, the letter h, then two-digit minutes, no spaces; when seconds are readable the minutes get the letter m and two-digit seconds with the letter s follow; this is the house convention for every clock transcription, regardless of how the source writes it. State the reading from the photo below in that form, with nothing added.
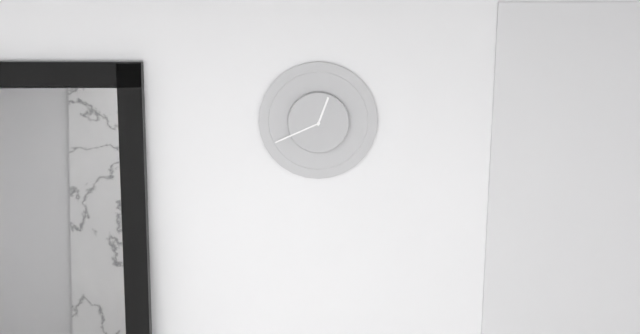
12h41
